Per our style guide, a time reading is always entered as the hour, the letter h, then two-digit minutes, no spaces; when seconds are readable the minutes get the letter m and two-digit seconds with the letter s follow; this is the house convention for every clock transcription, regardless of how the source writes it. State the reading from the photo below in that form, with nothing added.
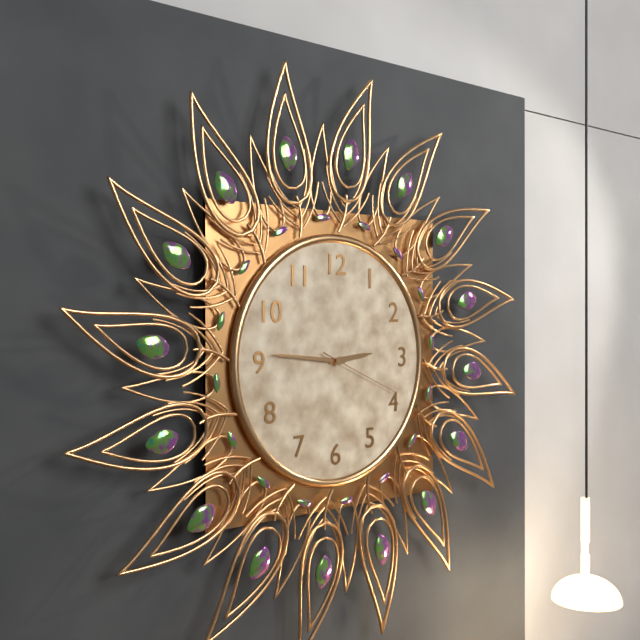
2h46m19s
